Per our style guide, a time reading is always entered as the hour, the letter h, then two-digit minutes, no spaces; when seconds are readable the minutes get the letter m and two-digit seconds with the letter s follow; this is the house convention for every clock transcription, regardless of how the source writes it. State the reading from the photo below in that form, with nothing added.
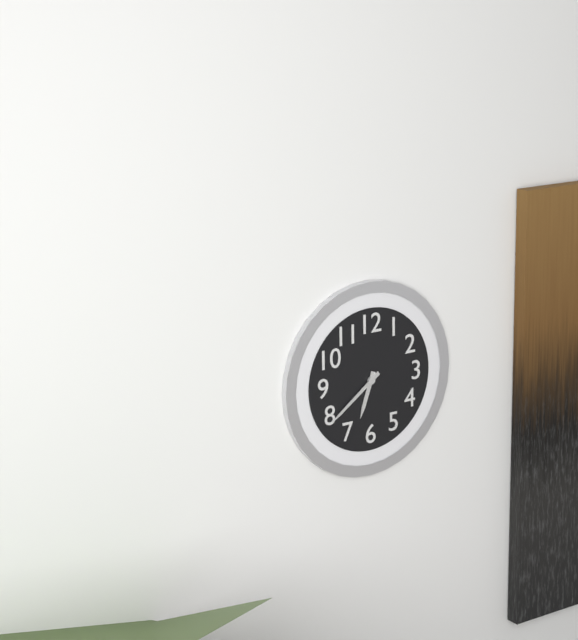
6h39
